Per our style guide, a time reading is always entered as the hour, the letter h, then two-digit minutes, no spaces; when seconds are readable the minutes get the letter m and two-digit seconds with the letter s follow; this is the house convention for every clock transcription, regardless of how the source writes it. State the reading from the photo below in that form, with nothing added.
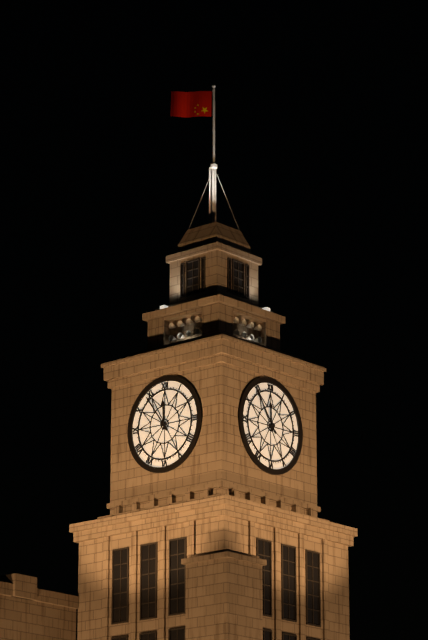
11h54
